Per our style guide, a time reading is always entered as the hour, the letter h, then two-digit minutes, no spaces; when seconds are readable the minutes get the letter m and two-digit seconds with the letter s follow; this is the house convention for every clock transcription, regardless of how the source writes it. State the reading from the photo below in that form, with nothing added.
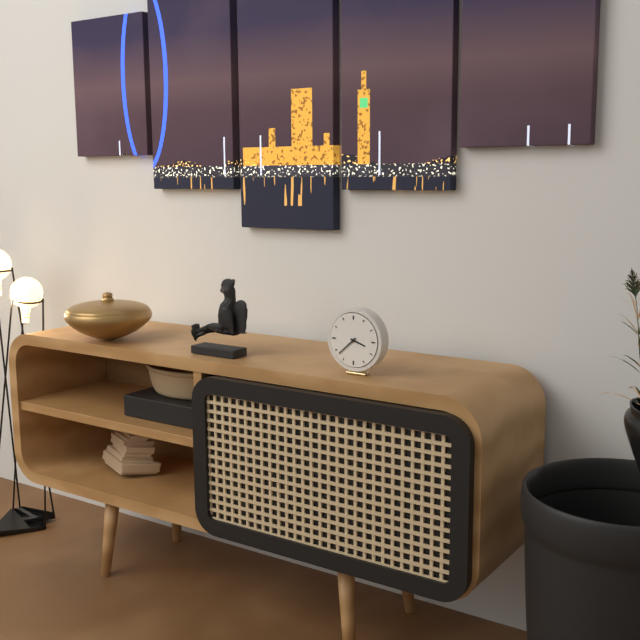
3h38
